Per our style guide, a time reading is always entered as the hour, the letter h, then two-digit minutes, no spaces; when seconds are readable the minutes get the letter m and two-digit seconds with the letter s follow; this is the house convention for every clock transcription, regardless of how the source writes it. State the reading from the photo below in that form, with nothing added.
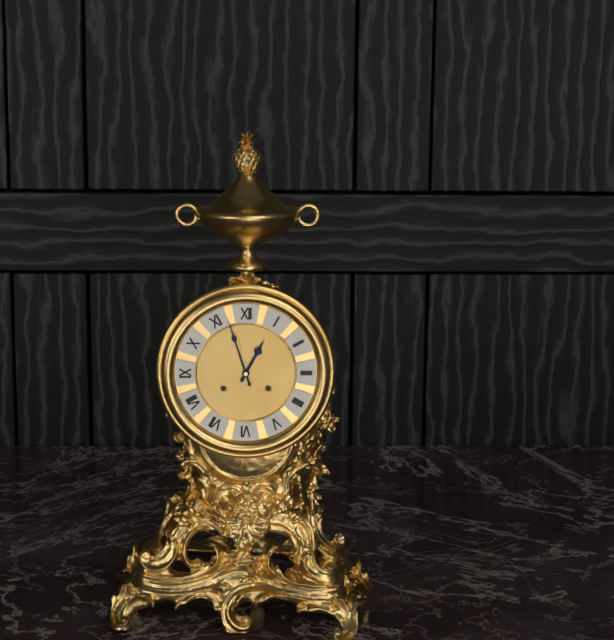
12h57
